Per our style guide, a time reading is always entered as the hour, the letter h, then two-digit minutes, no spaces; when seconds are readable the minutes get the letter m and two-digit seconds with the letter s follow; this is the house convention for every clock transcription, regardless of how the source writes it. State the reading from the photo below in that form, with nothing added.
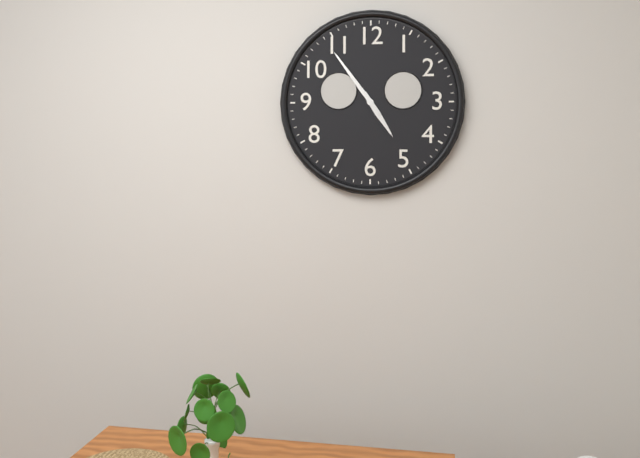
4h54
